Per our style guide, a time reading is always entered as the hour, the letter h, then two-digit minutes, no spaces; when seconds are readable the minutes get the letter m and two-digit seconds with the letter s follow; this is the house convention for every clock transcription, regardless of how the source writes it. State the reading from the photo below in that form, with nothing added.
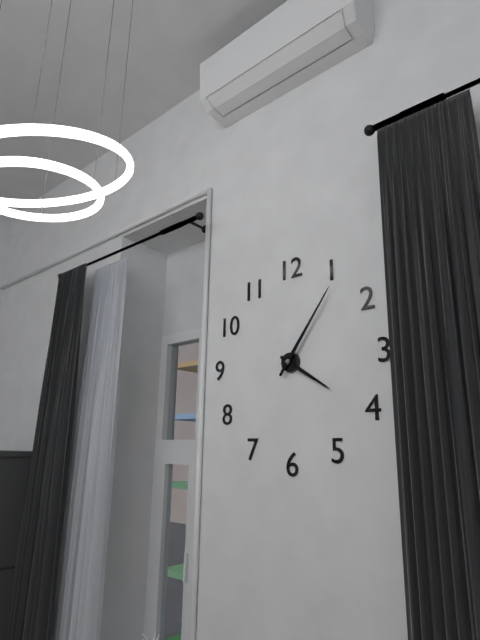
4h06
